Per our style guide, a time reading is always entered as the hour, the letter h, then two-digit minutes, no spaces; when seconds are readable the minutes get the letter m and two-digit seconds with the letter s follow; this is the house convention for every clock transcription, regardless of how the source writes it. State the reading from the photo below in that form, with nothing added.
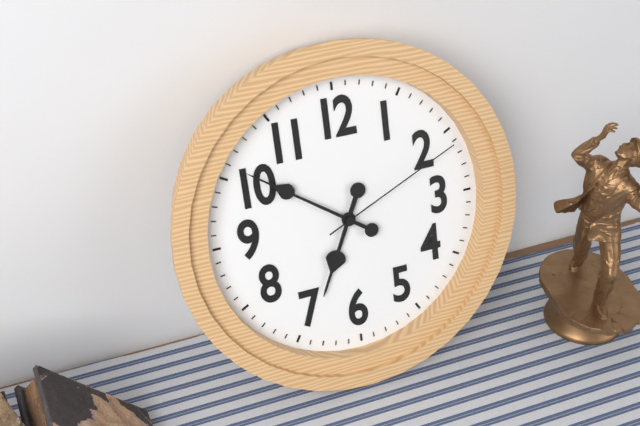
6h51m11s
